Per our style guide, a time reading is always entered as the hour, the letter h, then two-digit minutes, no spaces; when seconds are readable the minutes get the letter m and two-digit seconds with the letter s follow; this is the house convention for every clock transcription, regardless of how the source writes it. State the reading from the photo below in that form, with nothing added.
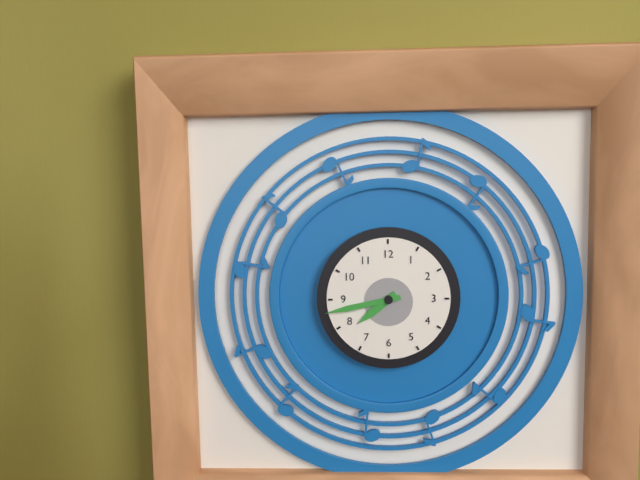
7h43
